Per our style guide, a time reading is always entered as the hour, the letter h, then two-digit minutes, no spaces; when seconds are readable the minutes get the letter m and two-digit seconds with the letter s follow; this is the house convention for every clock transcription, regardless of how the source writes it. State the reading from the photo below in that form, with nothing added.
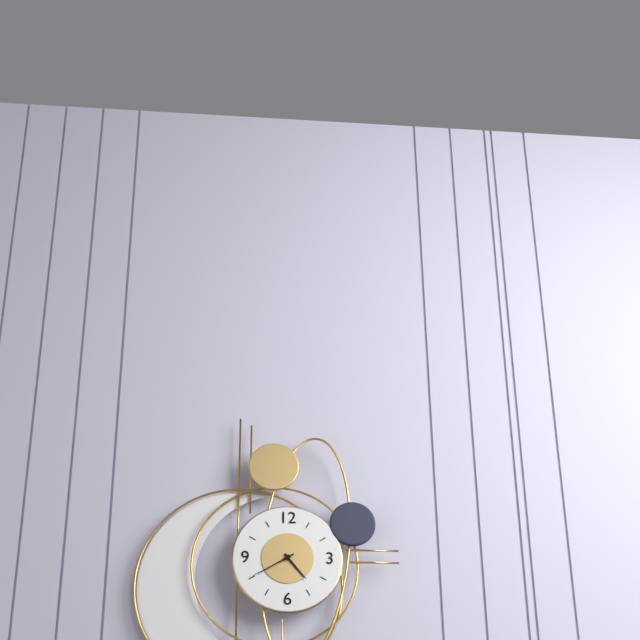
4h40
